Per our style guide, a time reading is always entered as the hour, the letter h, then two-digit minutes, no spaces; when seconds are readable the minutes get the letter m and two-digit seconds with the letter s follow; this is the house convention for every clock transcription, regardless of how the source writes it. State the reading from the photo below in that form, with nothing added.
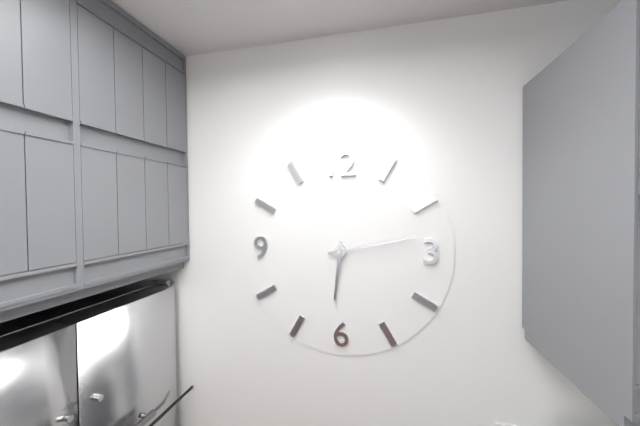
6h13
